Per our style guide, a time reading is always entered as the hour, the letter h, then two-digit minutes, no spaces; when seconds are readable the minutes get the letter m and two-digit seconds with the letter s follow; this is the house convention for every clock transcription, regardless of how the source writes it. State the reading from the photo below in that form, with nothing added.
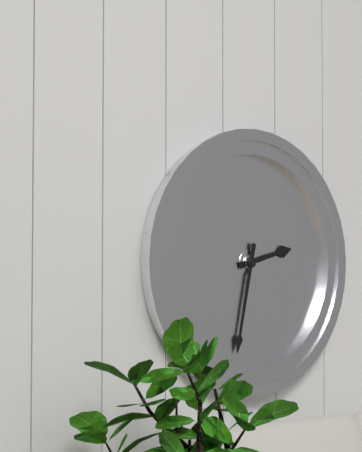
2h32
